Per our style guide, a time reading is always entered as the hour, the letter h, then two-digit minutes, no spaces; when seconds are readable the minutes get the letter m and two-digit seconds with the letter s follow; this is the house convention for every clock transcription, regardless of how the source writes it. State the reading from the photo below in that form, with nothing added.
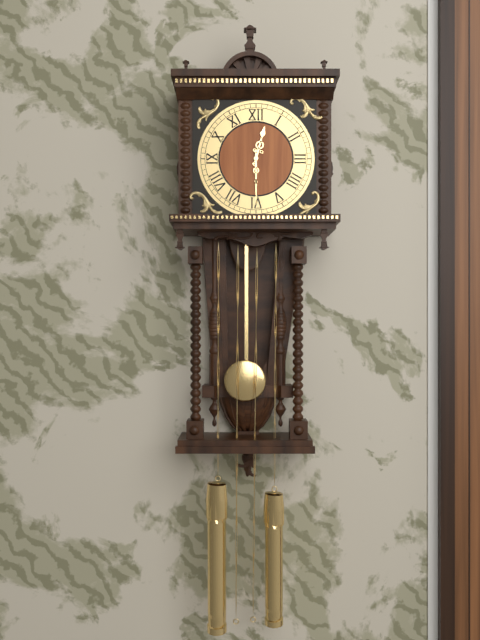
12h30
